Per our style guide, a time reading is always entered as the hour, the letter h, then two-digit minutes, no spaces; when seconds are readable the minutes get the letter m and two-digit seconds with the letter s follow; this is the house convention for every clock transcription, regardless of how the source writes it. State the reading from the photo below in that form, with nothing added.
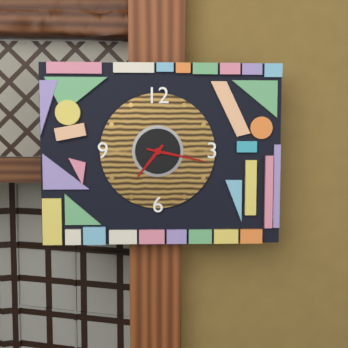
7h17
